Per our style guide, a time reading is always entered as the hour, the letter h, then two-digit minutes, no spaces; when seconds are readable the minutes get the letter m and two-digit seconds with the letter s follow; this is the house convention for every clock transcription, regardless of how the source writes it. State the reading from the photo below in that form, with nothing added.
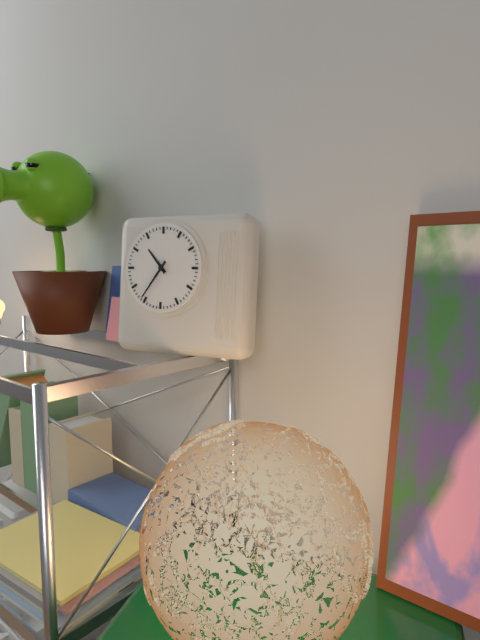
10h36
